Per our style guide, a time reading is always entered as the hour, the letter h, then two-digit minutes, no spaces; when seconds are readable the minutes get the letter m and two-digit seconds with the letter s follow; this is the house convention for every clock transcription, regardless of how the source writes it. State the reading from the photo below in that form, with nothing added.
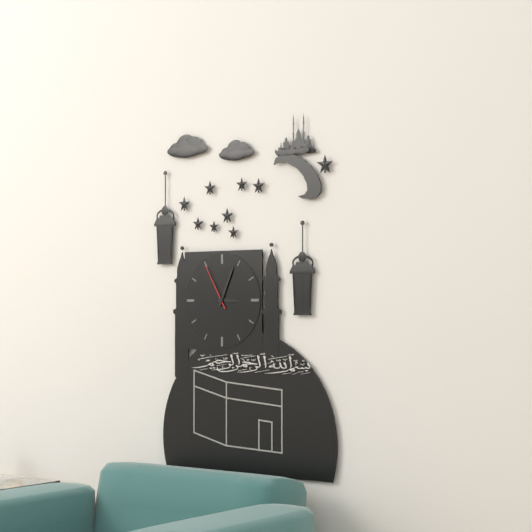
3h04m55s
